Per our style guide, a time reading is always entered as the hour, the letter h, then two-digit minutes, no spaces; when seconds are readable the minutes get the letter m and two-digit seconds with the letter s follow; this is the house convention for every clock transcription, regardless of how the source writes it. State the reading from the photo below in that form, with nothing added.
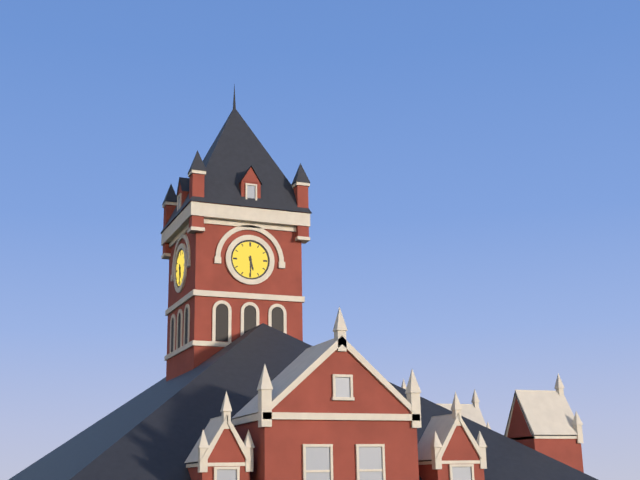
5h30
